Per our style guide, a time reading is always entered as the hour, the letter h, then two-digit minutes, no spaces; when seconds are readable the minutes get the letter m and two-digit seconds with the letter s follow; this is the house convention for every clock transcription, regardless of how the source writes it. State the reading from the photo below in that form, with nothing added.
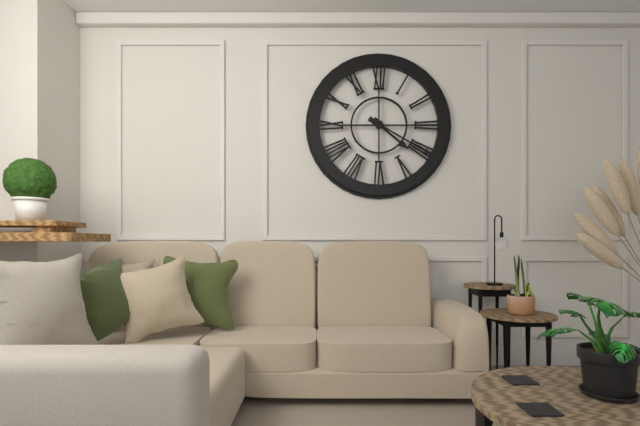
4h20
